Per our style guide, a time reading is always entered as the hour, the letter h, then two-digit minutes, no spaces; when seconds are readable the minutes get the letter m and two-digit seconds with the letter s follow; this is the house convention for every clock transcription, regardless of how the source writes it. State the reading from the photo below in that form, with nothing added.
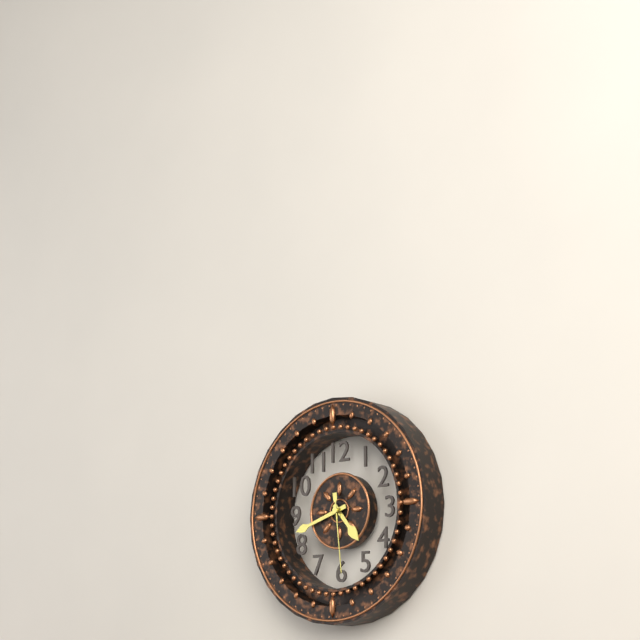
4h42m29s
